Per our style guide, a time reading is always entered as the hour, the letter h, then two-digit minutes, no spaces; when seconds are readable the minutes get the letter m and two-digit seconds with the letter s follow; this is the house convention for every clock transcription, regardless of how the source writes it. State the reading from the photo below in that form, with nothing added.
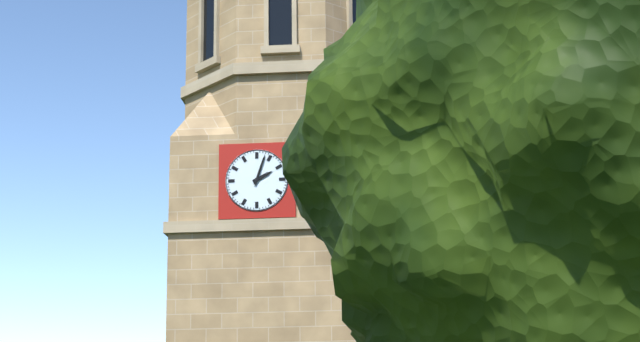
2h03
